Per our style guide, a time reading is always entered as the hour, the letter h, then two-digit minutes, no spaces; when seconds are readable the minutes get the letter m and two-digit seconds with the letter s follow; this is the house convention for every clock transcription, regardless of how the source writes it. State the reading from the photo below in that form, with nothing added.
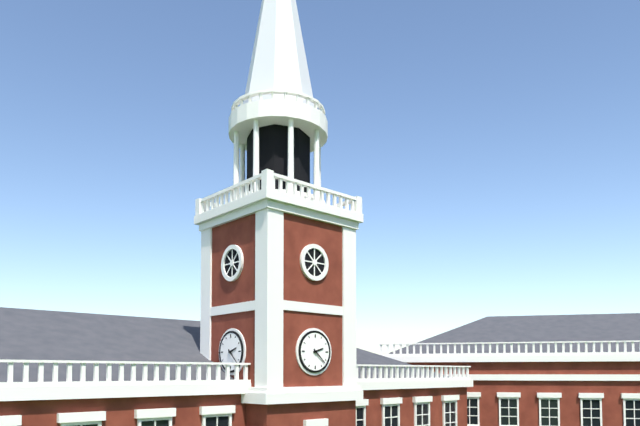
2h22
